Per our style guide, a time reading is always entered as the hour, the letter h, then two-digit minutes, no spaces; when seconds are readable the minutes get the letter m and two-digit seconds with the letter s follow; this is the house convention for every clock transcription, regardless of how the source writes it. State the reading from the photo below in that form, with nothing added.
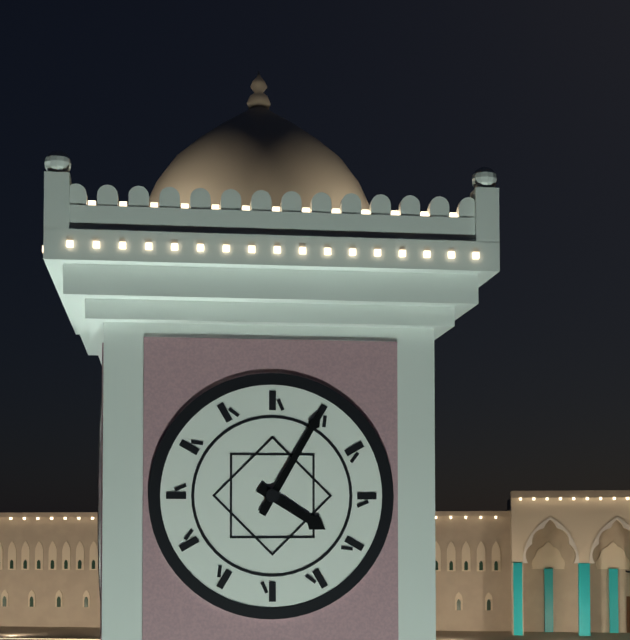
4h05
